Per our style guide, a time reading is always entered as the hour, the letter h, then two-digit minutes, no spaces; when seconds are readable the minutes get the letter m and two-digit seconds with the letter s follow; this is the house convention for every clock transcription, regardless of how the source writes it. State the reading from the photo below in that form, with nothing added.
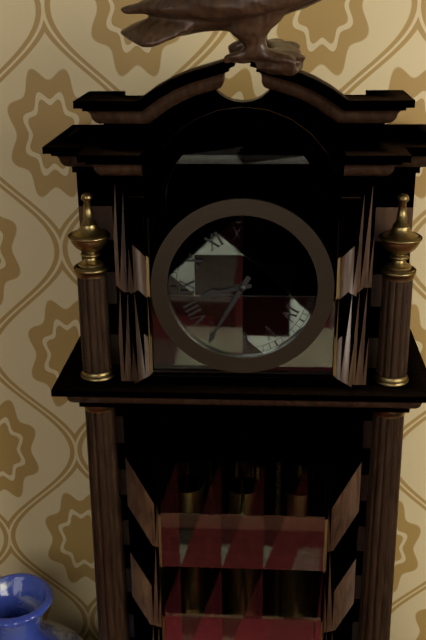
8h35
